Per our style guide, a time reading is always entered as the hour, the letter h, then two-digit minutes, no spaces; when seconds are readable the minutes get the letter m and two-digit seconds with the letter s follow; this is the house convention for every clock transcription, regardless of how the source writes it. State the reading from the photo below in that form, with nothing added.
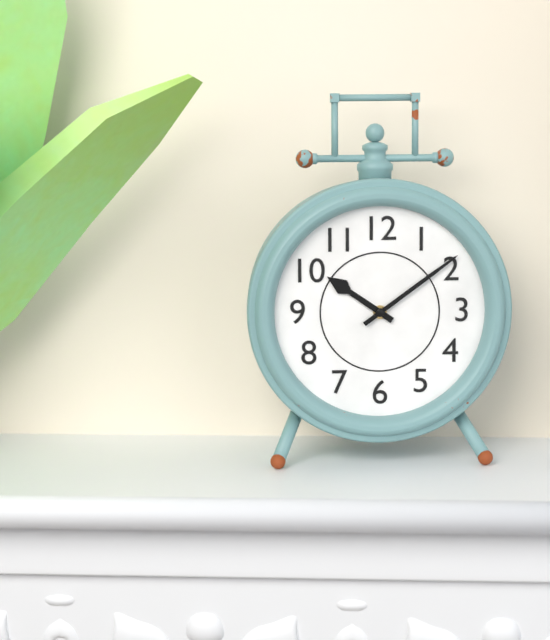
10h09
